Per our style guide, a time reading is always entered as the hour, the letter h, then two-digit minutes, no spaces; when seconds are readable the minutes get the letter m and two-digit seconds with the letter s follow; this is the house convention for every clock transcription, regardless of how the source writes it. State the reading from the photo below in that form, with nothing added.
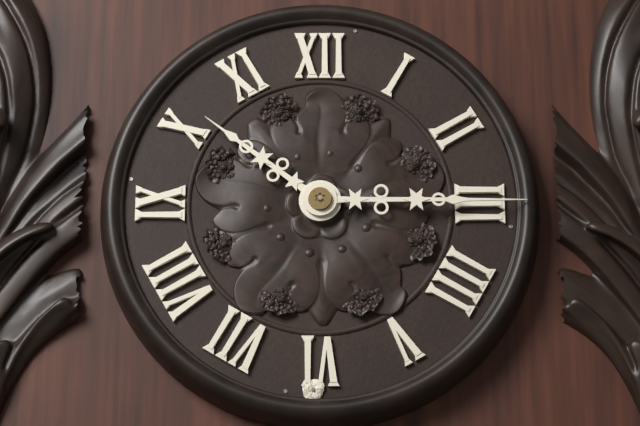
10h15
